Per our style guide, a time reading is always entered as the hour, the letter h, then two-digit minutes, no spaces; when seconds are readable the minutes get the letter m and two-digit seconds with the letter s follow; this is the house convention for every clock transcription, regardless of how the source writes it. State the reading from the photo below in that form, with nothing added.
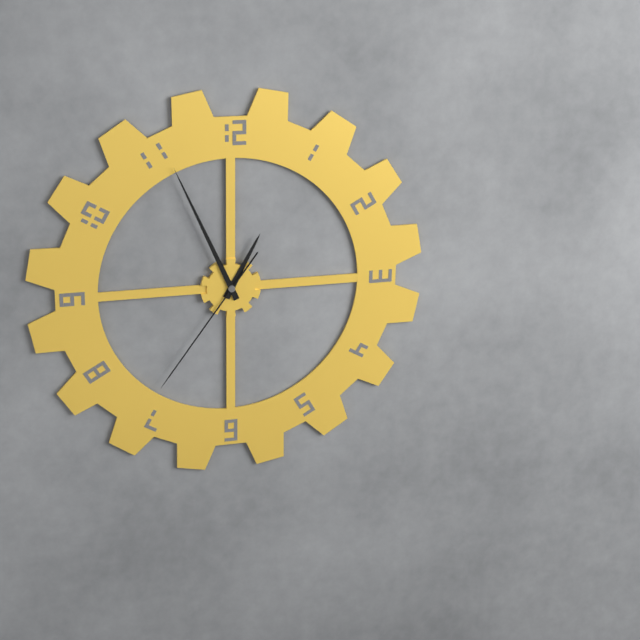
12h56m36s
